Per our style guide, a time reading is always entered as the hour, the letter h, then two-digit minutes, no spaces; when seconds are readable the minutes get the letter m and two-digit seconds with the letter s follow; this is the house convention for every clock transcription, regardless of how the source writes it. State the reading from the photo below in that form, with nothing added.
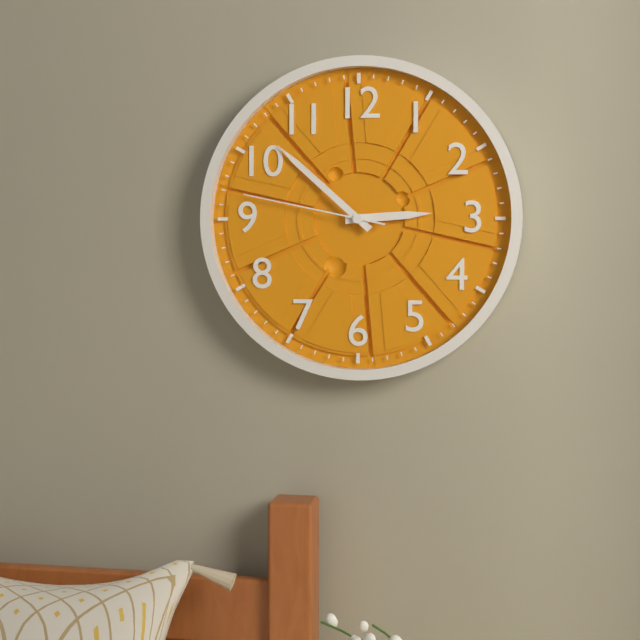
2h52m47s
